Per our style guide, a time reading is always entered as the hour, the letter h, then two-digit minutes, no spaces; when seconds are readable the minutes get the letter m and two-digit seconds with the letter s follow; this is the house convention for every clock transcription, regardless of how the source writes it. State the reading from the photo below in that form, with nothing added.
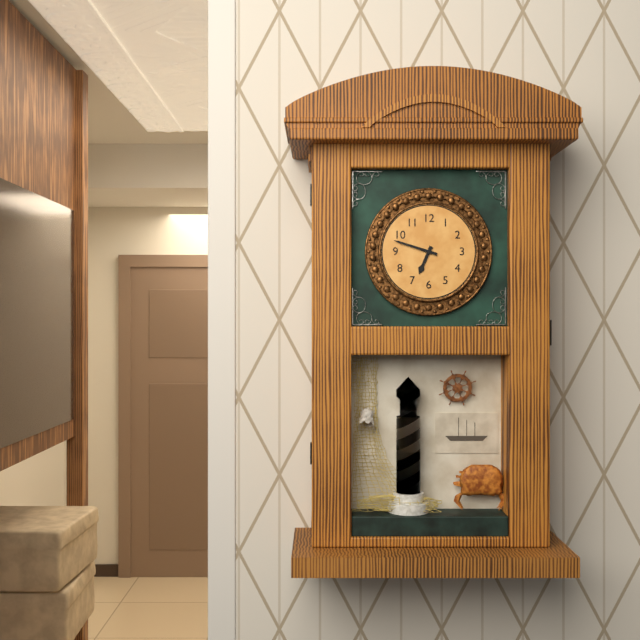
6h48
